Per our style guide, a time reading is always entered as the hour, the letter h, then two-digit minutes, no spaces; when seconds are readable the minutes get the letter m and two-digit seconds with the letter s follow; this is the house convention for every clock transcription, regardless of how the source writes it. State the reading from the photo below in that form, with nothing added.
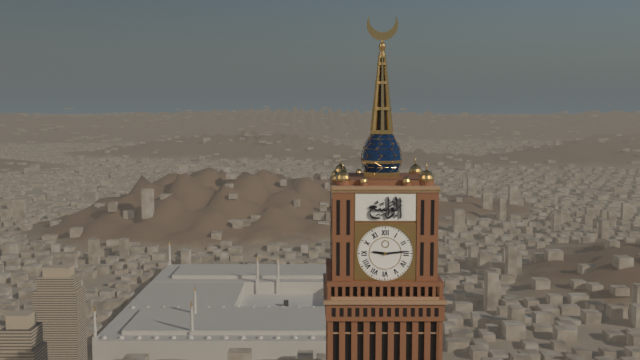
9h14
